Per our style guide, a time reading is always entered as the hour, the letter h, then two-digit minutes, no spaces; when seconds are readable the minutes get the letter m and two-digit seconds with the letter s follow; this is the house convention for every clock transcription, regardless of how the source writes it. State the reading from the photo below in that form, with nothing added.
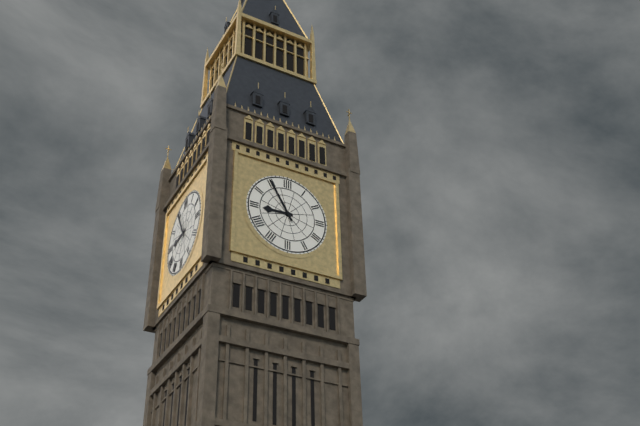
8h55
